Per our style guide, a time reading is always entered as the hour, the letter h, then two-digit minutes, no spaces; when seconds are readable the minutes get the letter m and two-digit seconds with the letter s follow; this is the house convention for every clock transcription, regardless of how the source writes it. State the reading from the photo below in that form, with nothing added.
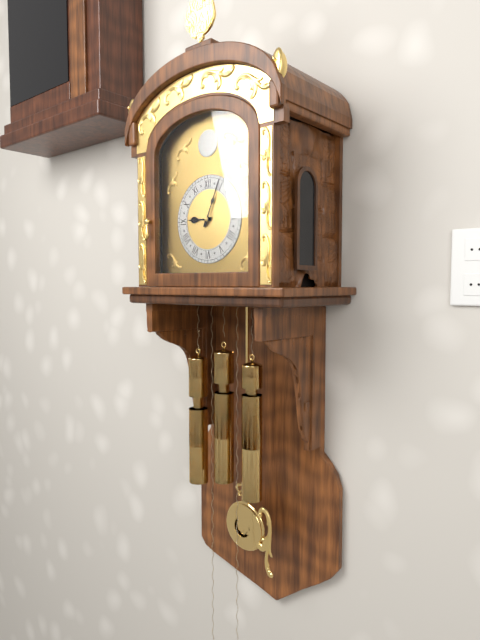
9h04
